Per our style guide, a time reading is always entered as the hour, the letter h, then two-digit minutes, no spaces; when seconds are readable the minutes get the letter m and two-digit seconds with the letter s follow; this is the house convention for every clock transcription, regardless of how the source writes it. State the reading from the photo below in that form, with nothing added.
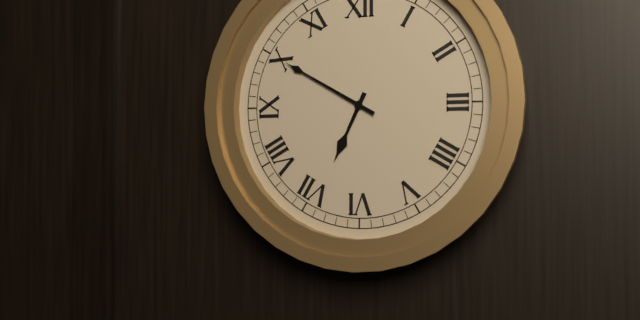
6h50
